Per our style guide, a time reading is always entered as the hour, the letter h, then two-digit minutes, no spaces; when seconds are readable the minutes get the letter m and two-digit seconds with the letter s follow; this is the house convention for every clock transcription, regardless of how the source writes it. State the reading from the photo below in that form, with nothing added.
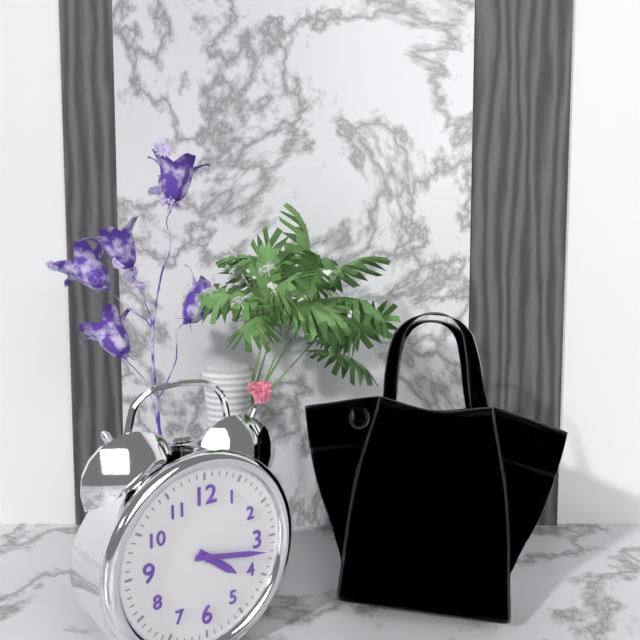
4h17
